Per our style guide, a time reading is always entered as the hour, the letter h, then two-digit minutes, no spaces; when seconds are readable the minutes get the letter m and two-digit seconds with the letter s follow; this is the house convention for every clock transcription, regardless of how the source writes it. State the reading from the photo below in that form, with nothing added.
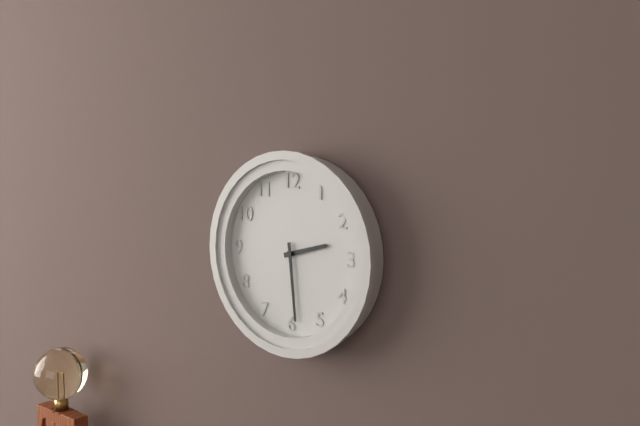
2h29
